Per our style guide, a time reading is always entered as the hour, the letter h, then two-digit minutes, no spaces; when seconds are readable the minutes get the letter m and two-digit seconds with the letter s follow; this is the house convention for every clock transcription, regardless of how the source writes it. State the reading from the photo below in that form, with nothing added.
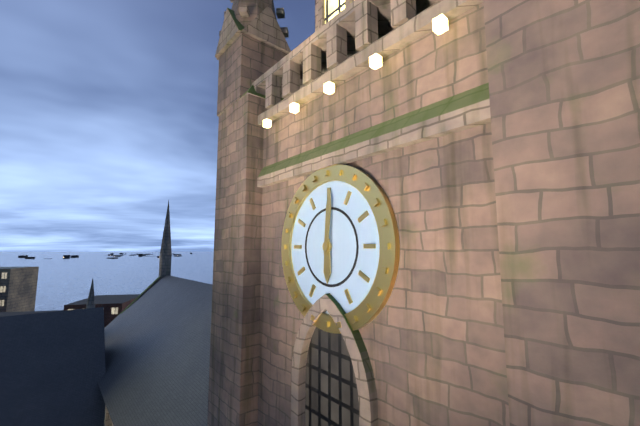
6h01
